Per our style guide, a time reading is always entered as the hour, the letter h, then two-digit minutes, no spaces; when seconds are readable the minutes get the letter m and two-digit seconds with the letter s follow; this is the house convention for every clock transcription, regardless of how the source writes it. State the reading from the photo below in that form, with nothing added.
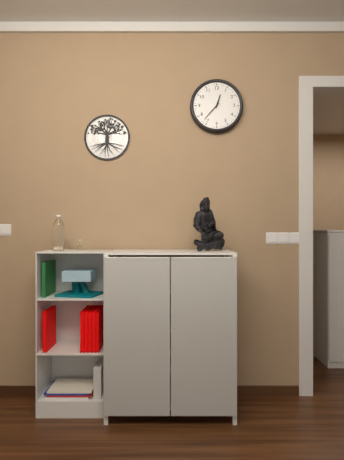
12h37
